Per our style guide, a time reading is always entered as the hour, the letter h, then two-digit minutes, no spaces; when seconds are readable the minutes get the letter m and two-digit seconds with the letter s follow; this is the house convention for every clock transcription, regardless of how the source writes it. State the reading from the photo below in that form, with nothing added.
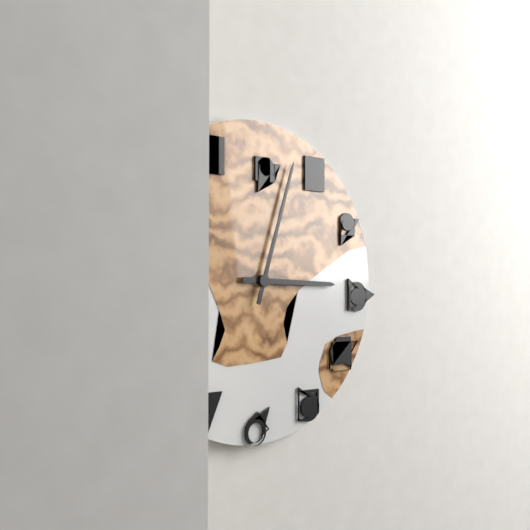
3h03
